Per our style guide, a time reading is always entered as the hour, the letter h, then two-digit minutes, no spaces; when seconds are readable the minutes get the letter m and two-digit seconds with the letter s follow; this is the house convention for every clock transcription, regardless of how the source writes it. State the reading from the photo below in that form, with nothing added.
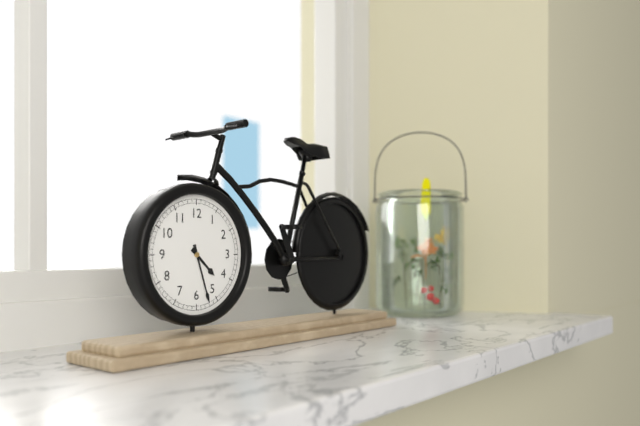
4h27
